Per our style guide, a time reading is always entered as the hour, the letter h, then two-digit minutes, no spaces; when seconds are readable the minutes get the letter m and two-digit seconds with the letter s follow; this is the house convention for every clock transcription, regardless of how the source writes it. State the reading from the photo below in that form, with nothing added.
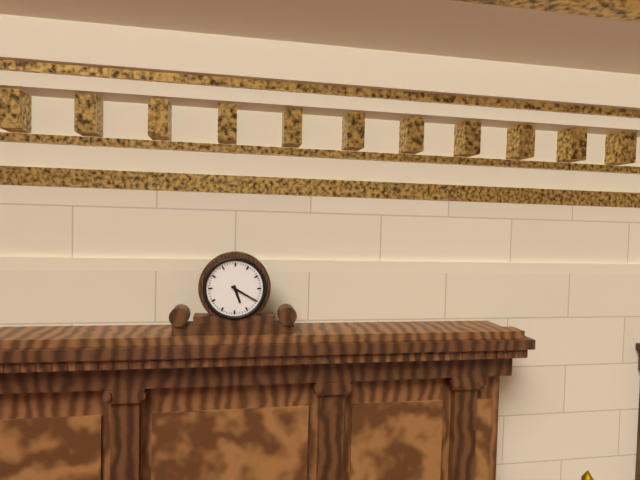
5h20
